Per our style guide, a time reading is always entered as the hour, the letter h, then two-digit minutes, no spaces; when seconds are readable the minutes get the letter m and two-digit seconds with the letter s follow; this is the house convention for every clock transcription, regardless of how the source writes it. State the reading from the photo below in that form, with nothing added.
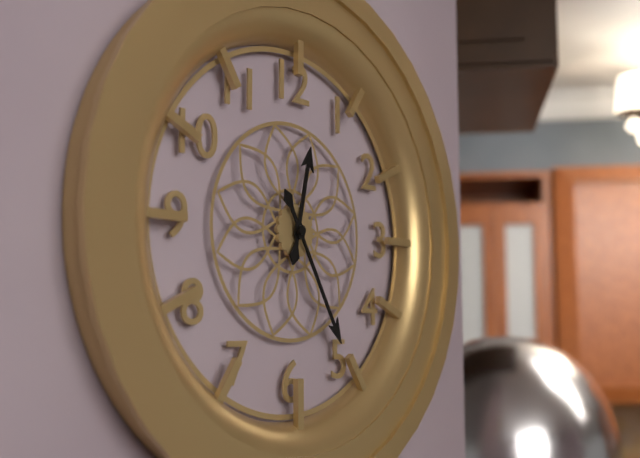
12h25
